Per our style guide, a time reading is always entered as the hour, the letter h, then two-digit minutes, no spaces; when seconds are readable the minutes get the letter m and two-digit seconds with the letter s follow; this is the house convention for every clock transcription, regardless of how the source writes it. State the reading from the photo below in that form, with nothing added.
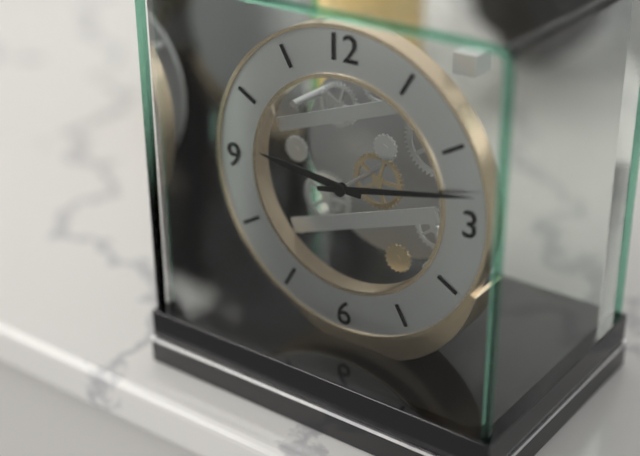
9h13
